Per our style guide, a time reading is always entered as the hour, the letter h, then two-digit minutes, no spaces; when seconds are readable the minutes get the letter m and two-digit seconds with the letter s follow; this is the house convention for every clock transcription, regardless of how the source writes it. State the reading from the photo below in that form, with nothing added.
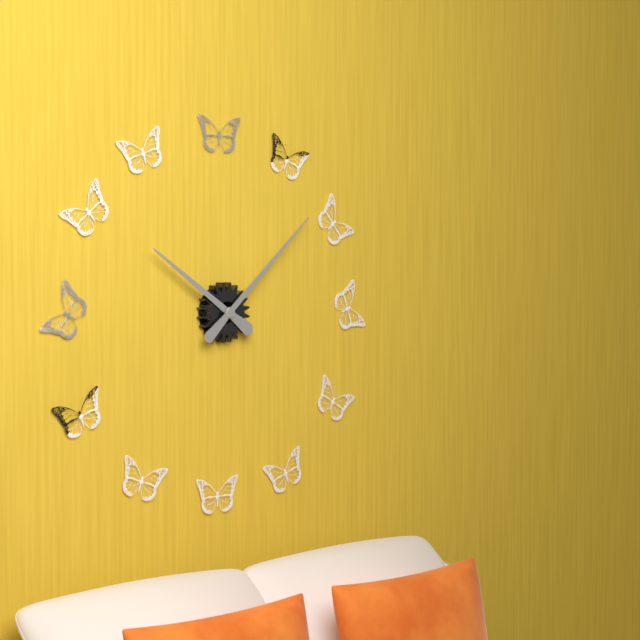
10h08
